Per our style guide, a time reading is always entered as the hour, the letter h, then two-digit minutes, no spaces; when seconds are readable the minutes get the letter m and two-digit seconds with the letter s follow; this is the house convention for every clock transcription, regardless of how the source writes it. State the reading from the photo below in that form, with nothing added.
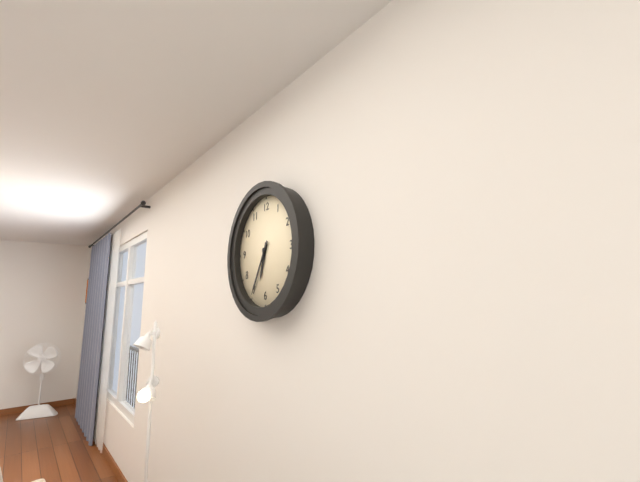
6h35
